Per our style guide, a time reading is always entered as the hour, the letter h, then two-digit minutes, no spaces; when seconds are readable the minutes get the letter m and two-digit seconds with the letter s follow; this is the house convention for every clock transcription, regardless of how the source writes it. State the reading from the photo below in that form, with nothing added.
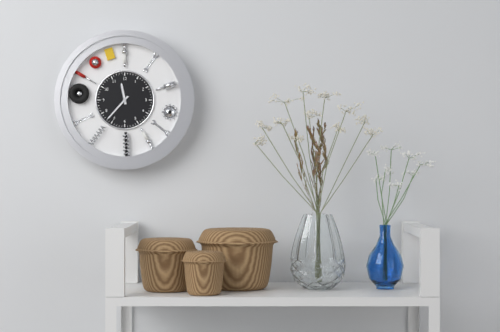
11h37
